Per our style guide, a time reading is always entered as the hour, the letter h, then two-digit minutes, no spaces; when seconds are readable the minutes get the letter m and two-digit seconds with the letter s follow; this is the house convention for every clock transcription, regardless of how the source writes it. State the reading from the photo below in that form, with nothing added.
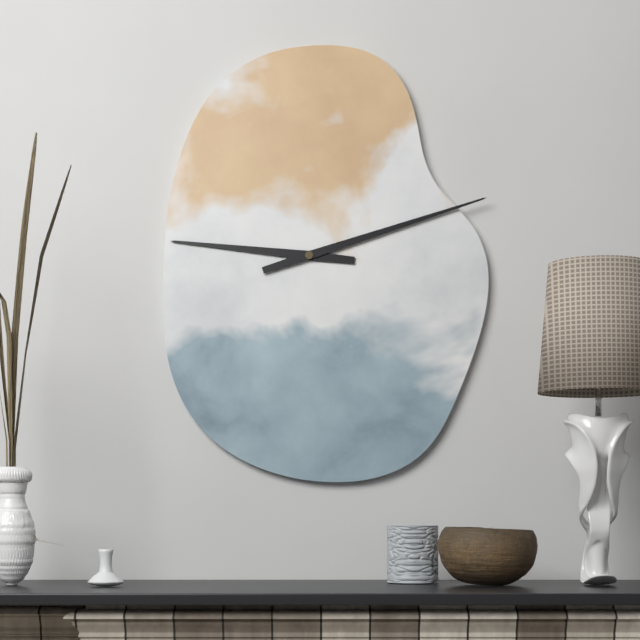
9h12
